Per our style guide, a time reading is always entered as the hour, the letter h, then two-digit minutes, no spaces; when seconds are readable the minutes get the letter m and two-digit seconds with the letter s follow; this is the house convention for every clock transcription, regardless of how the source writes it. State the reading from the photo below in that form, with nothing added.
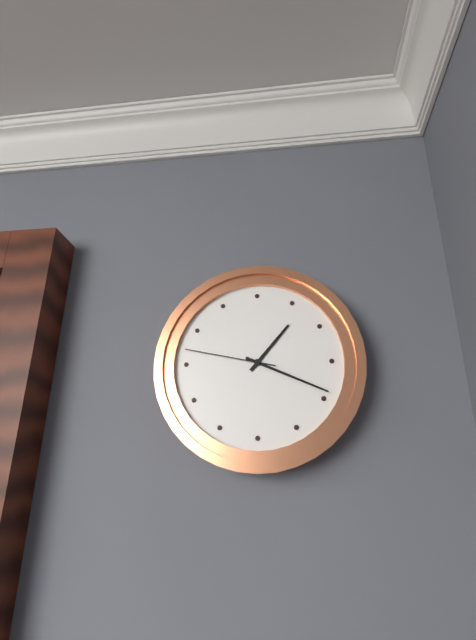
1h19m47s
